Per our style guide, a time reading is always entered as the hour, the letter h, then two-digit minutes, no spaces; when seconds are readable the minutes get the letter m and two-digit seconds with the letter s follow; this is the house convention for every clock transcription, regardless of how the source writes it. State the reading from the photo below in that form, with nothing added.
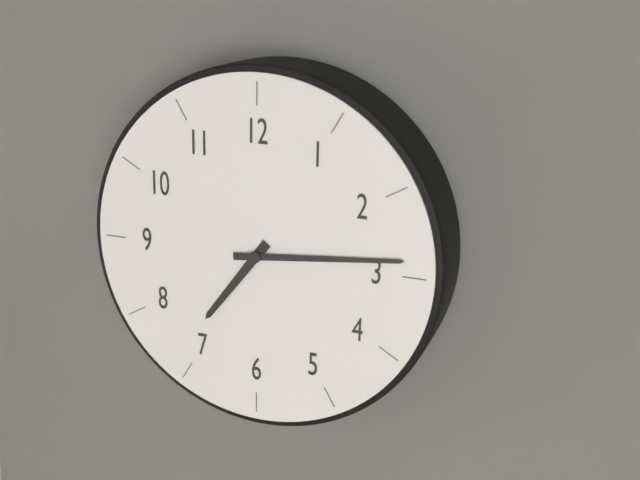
7h14
